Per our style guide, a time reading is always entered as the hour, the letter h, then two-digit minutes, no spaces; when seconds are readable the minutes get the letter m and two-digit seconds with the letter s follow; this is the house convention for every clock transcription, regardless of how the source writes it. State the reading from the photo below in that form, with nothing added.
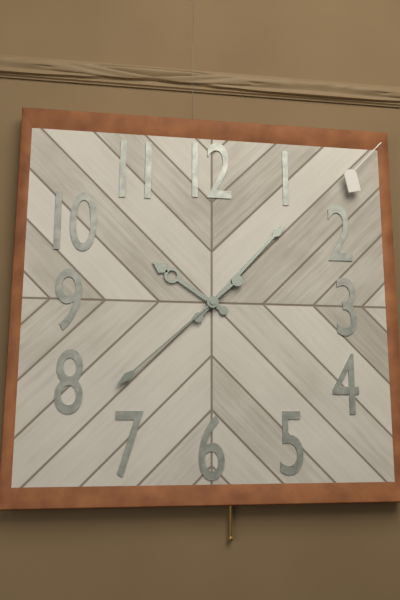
10h07m38s
